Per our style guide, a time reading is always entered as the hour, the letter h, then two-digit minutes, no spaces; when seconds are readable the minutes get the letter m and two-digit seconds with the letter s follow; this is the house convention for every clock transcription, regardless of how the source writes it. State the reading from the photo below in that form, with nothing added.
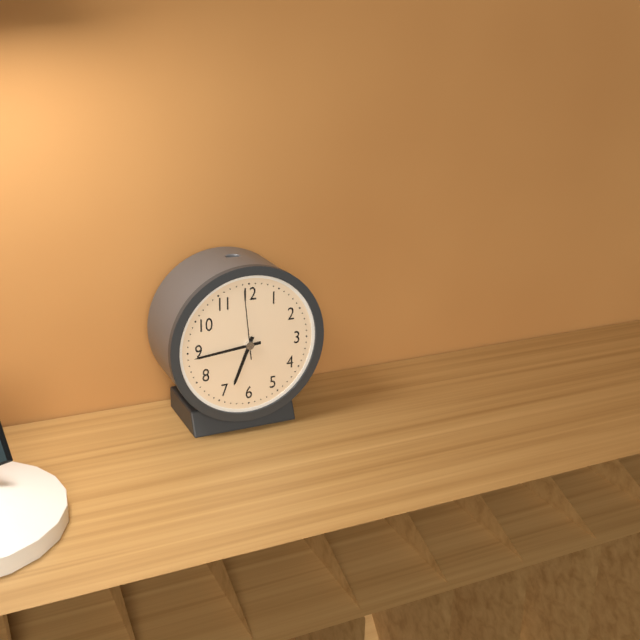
6h44m59s
